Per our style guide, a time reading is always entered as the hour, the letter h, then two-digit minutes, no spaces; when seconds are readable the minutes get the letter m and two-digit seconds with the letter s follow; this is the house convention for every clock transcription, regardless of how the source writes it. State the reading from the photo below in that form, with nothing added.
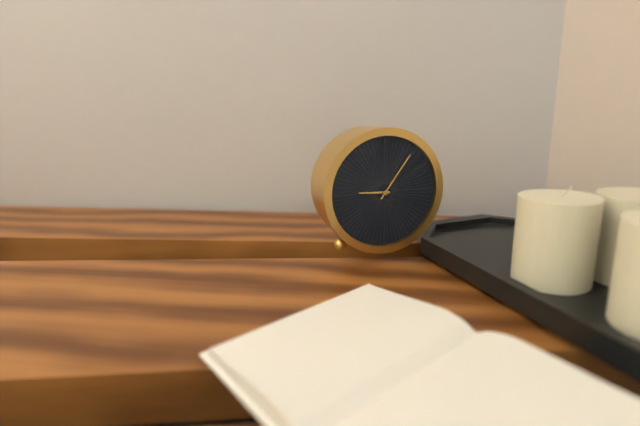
9h06
